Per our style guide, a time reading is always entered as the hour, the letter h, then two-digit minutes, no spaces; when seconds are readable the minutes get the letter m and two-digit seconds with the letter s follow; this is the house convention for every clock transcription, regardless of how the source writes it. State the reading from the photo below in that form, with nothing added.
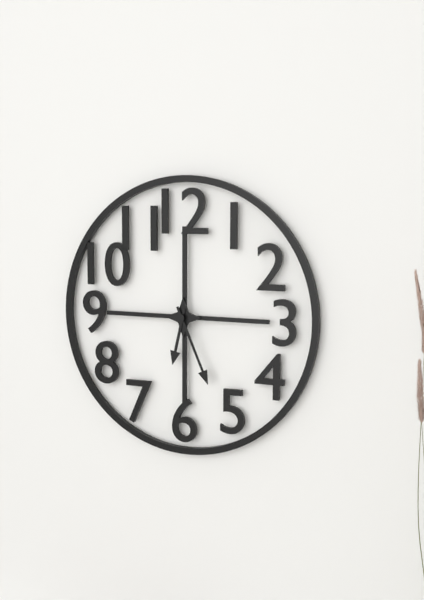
6h26
